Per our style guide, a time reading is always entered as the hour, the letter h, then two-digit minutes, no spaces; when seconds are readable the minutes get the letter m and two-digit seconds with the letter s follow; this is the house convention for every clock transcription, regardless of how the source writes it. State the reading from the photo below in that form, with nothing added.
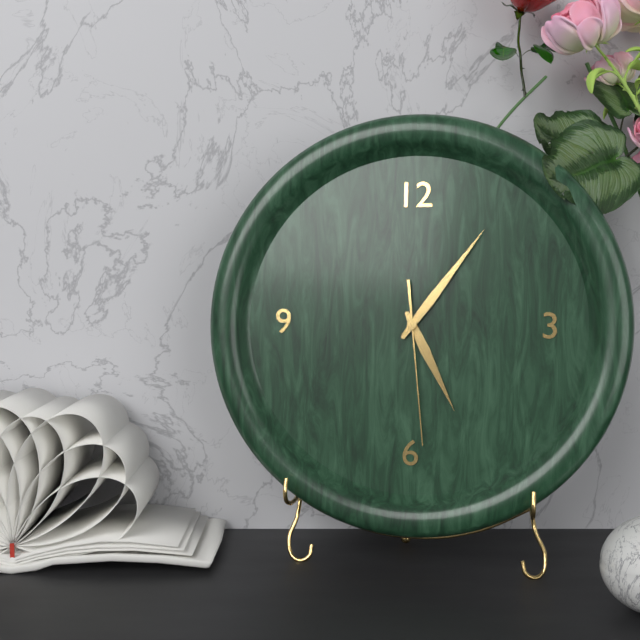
5h06m29s
